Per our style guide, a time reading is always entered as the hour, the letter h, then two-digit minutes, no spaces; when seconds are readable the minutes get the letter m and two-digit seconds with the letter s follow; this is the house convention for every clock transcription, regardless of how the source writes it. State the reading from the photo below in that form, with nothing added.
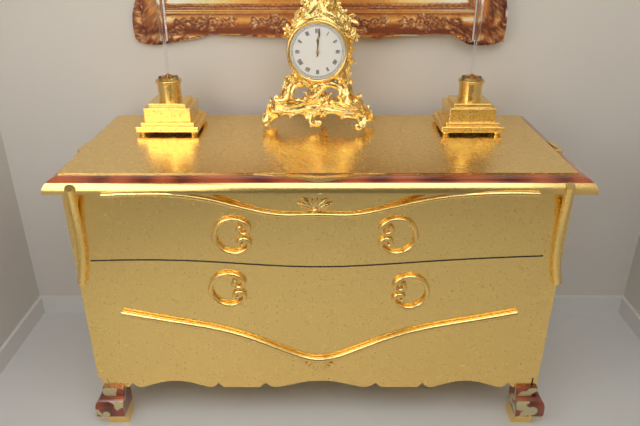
12h01
